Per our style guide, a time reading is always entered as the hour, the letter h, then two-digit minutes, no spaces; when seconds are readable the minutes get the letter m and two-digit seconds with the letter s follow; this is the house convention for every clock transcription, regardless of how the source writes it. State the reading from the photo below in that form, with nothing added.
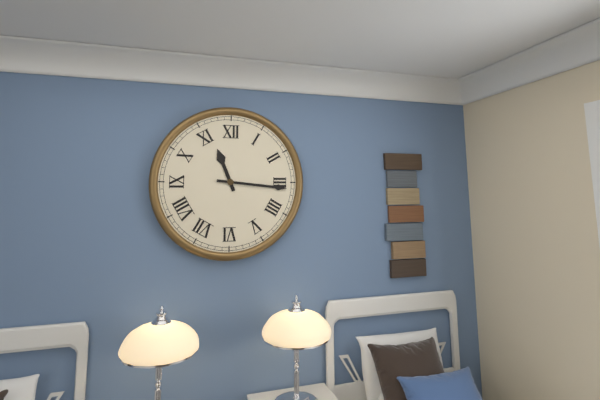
11h16
